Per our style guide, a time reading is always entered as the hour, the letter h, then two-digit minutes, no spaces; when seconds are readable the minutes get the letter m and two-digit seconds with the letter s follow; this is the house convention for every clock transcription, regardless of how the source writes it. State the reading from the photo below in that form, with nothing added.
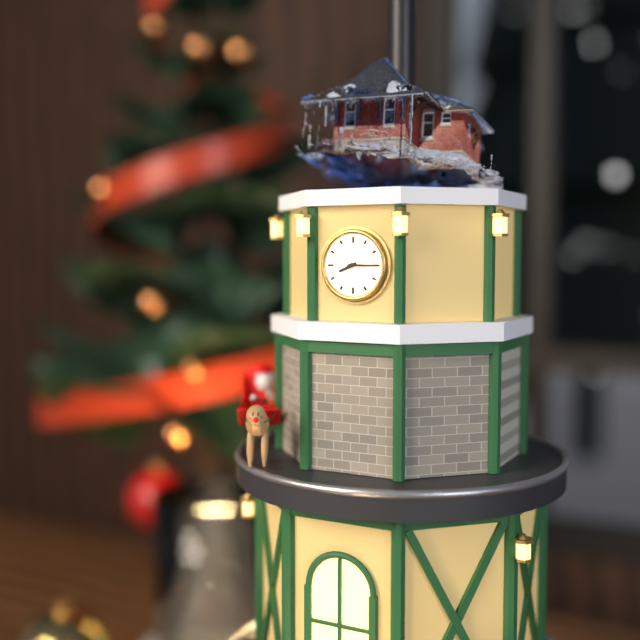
8h15
